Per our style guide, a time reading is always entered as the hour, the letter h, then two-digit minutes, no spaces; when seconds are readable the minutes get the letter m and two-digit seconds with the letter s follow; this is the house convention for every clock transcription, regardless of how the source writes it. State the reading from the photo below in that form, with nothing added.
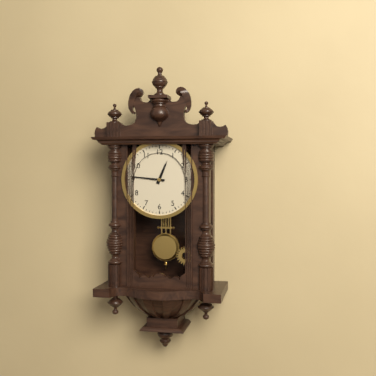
12h46
